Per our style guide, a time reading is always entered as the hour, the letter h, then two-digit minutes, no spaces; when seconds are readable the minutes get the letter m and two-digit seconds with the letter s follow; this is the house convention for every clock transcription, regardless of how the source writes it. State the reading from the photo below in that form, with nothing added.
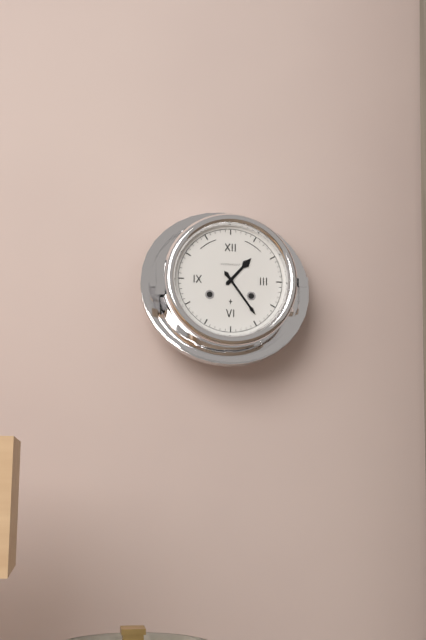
1h24
